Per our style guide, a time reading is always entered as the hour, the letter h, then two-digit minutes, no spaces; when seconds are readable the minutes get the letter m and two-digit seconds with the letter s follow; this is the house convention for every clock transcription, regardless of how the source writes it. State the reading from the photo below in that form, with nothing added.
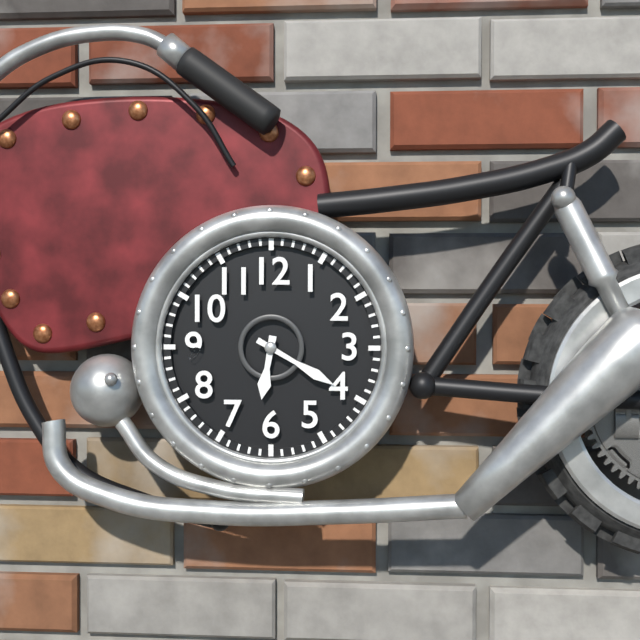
6h20
